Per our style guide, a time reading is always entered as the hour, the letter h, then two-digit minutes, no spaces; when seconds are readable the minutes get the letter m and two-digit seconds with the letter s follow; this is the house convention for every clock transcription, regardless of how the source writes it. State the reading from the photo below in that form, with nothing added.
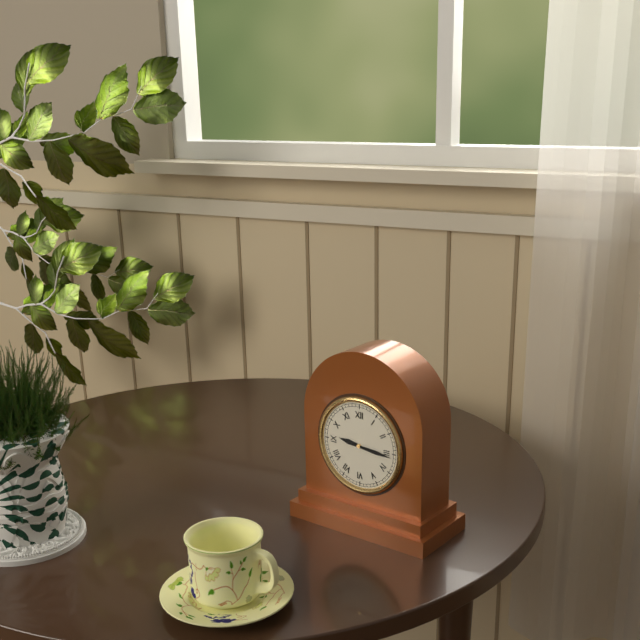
9h16
